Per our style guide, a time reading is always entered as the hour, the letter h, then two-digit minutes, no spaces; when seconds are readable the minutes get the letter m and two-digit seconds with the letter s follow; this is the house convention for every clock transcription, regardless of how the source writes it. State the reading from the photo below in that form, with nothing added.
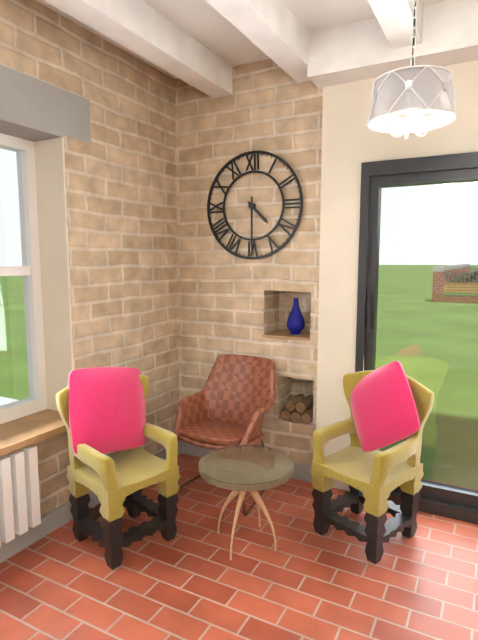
4h30
